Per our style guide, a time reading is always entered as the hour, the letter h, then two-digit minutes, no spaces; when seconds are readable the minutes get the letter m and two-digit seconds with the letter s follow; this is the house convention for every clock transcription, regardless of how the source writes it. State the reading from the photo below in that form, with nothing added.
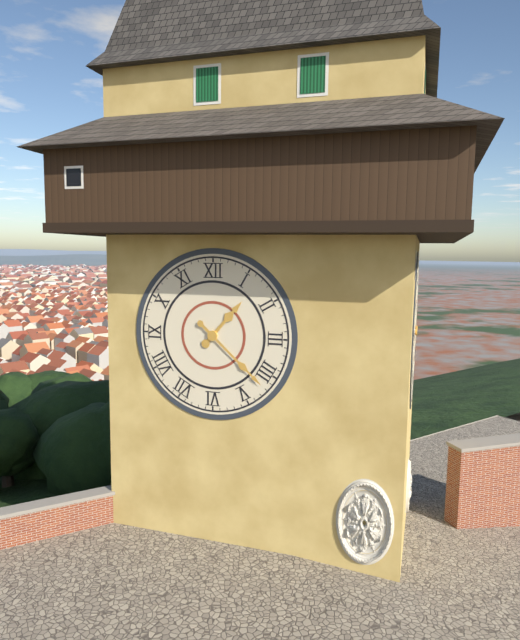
1h22
